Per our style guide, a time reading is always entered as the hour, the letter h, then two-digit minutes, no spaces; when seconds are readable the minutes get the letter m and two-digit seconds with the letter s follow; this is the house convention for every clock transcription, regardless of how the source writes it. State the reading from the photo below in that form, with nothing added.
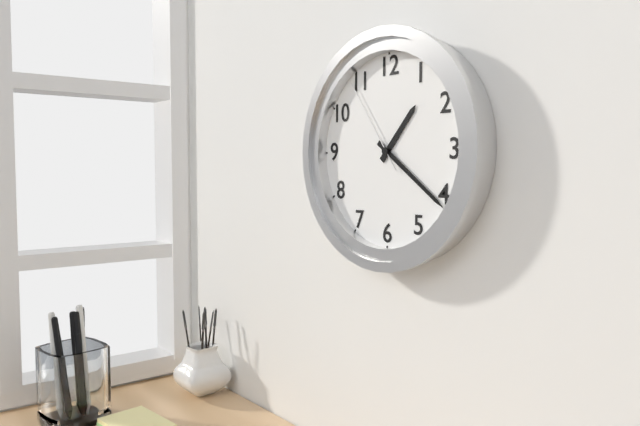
1h21m54s
